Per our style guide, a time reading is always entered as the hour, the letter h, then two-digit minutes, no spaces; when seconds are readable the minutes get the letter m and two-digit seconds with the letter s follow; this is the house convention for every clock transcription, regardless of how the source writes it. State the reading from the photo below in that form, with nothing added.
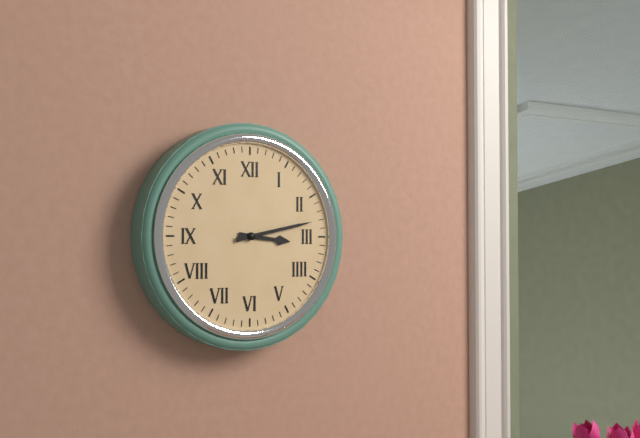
3h13
